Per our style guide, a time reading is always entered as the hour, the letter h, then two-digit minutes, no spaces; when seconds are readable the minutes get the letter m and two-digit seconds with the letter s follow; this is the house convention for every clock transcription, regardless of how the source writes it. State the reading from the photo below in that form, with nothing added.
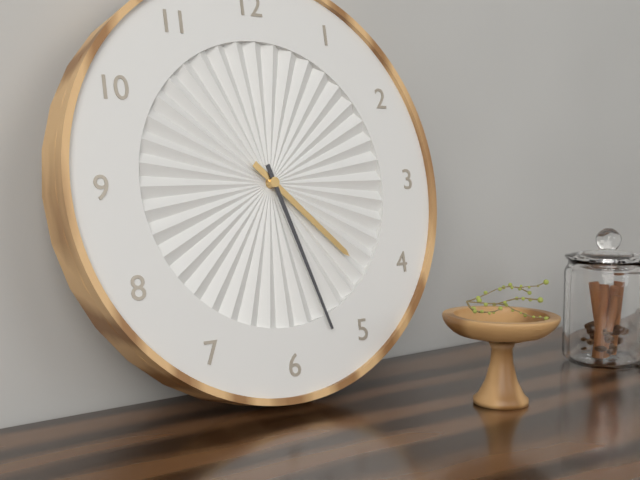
4h27
